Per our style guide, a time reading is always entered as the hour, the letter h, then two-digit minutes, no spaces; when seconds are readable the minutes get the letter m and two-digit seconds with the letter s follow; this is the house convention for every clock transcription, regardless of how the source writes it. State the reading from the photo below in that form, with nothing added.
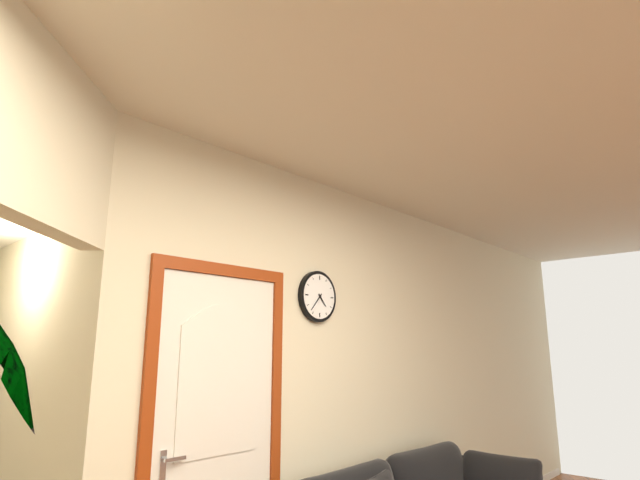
4h37
